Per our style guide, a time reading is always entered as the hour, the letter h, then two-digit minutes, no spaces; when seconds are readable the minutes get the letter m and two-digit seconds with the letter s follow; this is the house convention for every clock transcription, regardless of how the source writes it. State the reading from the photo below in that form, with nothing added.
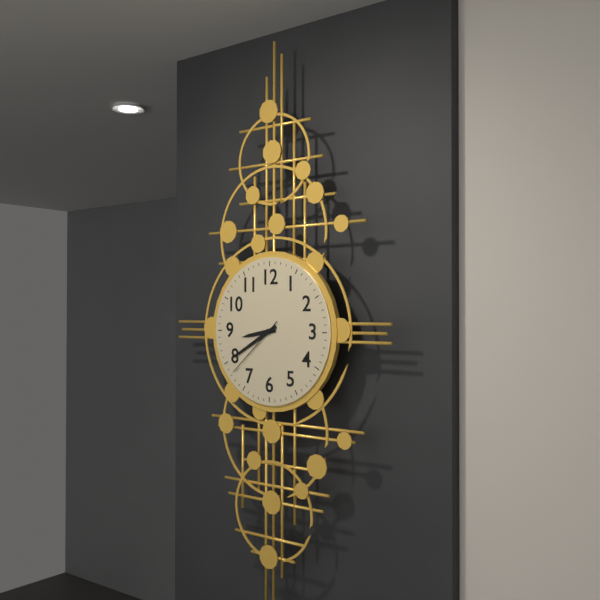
8h40m38s
